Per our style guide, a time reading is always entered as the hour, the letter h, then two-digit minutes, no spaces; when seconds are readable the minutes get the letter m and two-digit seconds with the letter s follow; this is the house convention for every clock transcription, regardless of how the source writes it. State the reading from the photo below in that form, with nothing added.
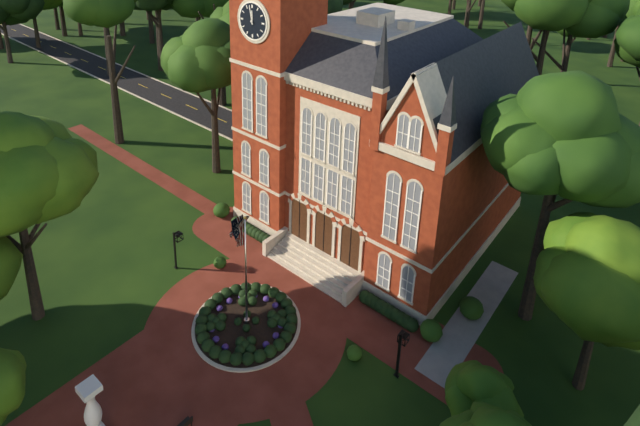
11h58
